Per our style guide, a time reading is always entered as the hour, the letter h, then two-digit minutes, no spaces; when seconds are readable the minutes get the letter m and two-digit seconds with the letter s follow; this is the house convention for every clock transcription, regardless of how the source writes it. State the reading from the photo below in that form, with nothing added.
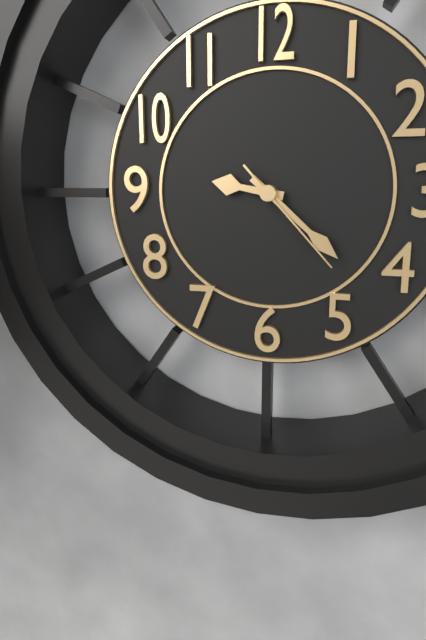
9h22m23s
